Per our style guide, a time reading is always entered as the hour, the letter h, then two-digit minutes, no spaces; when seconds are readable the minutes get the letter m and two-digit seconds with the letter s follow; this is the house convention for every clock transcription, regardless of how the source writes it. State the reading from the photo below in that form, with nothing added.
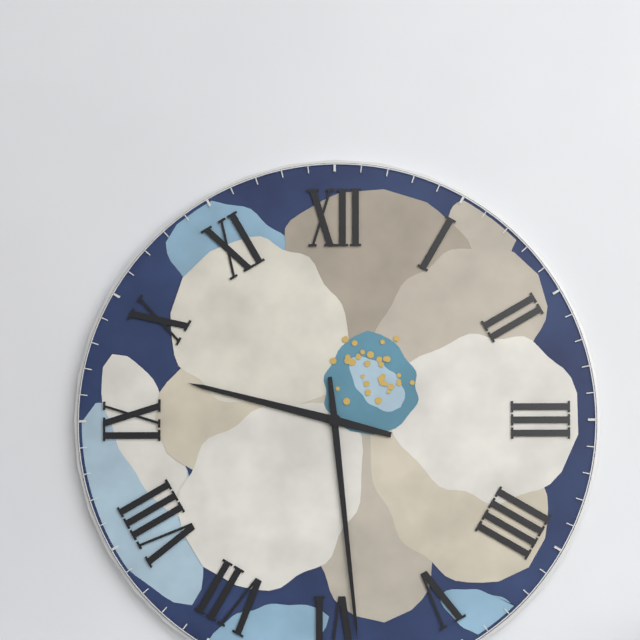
9h29
